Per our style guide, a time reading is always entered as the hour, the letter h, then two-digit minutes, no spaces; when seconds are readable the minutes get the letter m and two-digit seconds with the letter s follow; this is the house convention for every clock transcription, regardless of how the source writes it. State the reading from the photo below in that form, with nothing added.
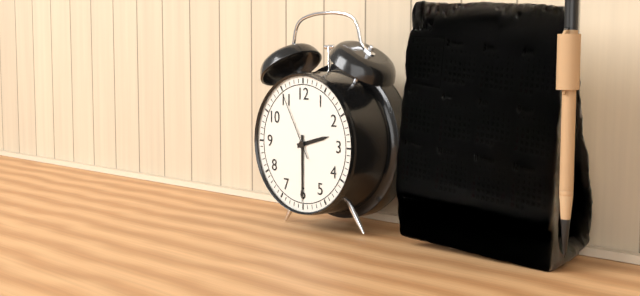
2h30m55s
